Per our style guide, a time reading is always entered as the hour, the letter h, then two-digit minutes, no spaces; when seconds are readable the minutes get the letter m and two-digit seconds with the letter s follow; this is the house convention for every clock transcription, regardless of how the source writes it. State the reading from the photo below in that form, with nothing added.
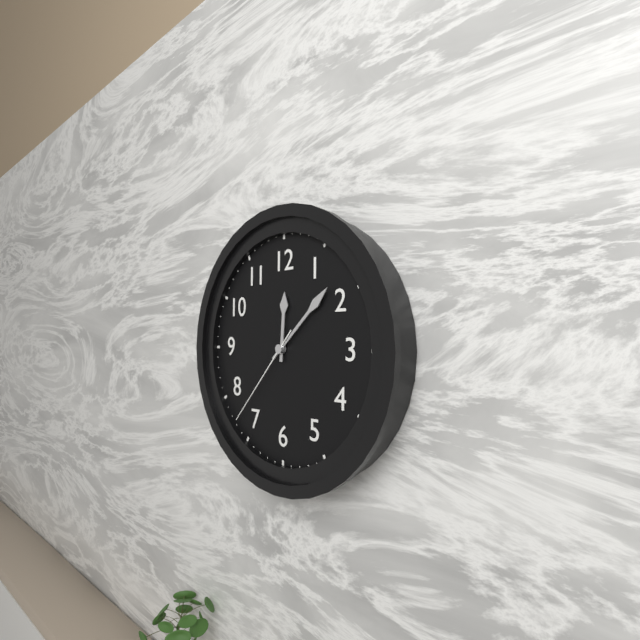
12h08m37s
